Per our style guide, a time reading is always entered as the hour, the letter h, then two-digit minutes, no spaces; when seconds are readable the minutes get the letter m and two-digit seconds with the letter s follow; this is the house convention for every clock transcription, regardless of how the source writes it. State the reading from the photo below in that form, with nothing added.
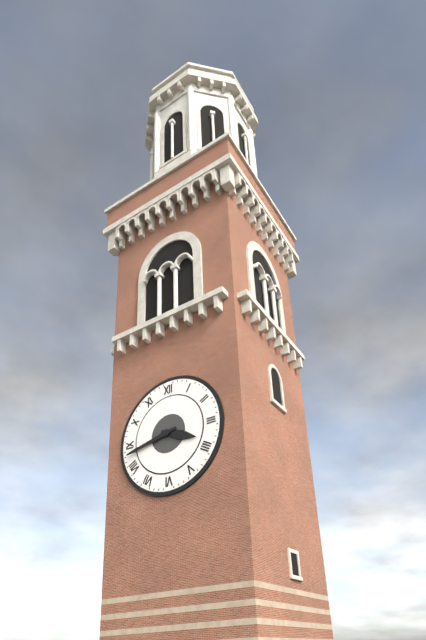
3h43
